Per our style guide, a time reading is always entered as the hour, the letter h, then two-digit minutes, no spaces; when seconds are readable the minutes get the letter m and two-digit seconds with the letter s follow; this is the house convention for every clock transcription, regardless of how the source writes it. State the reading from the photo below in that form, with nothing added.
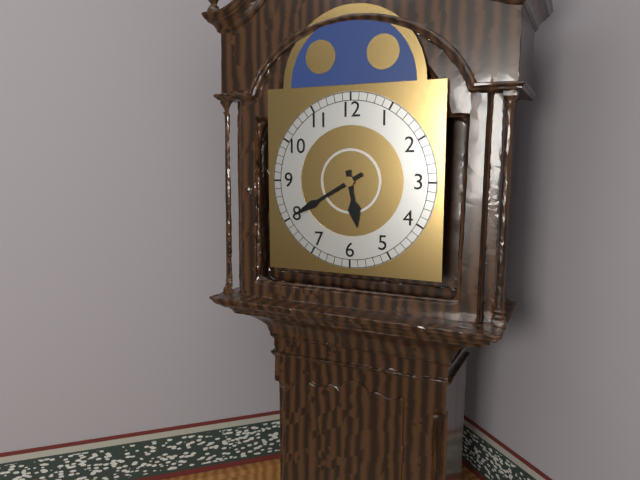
5h40
